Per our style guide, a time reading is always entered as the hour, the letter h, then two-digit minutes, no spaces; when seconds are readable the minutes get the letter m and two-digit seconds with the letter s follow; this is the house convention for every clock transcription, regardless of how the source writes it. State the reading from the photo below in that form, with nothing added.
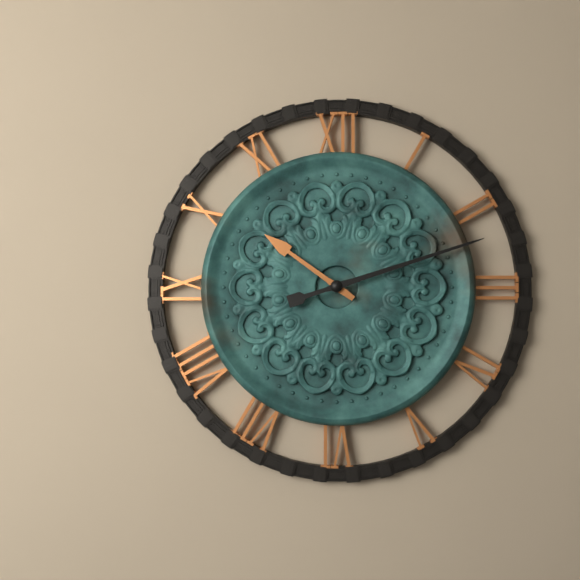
10h12
